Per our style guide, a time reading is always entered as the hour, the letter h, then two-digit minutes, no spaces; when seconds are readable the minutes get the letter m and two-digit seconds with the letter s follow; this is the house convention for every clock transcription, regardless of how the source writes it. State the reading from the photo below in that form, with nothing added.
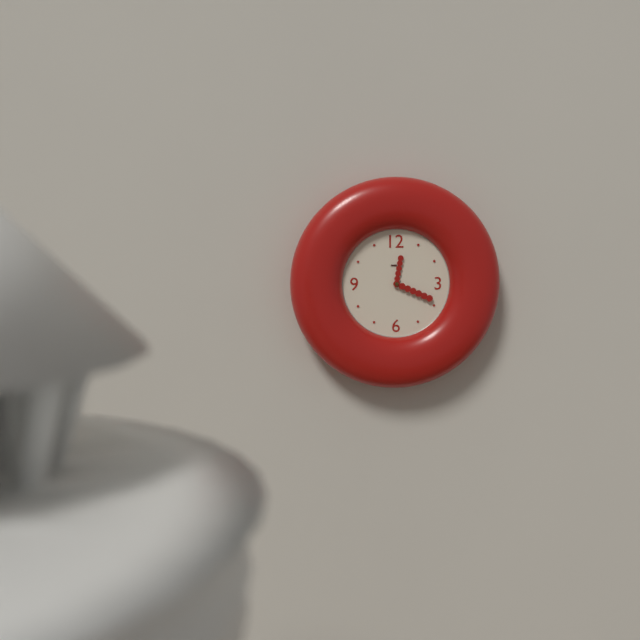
12h19
